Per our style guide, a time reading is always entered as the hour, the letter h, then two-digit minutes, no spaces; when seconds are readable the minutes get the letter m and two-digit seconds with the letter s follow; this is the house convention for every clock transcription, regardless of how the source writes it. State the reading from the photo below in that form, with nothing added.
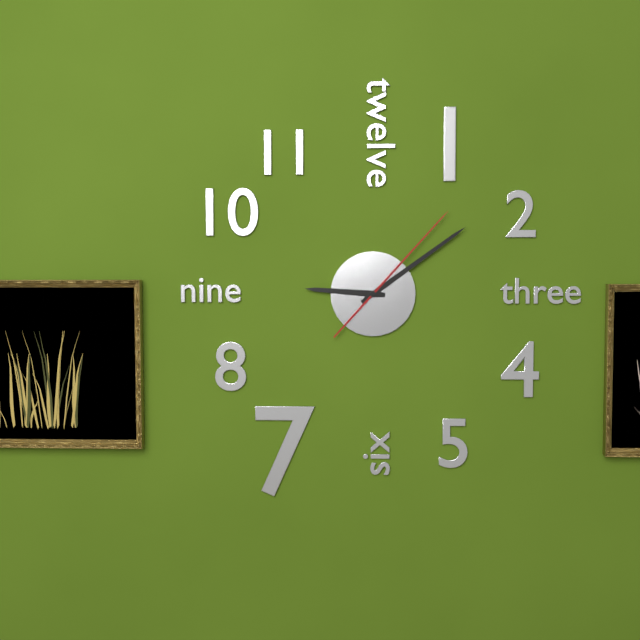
9h09m07s
